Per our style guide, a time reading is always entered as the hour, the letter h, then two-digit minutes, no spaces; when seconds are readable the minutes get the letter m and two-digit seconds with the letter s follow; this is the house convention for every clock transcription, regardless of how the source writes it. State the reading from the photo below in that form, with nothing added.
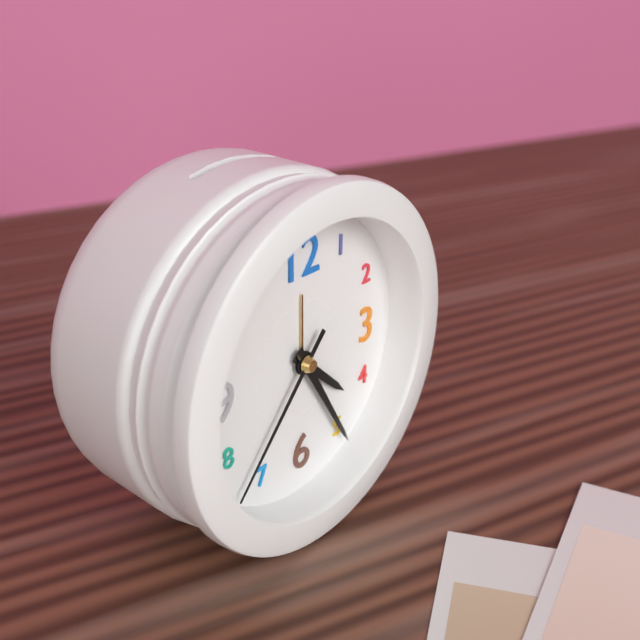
4h25m37s
